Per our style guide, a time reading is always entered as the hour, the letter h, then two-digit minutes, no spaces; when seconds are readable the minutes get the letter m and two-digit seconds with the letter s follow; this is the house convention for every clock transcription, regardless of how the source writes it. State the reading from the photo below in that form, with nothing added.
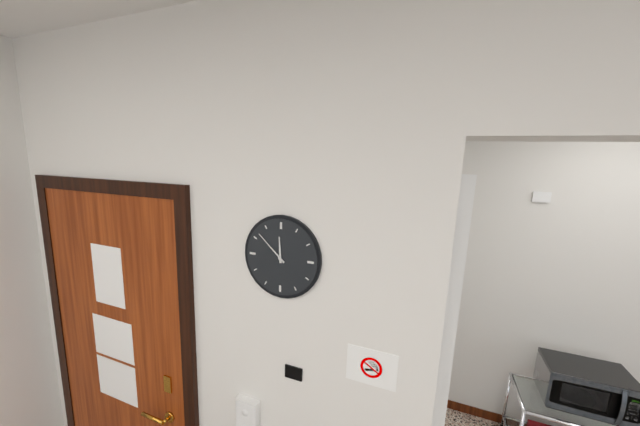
11h52
